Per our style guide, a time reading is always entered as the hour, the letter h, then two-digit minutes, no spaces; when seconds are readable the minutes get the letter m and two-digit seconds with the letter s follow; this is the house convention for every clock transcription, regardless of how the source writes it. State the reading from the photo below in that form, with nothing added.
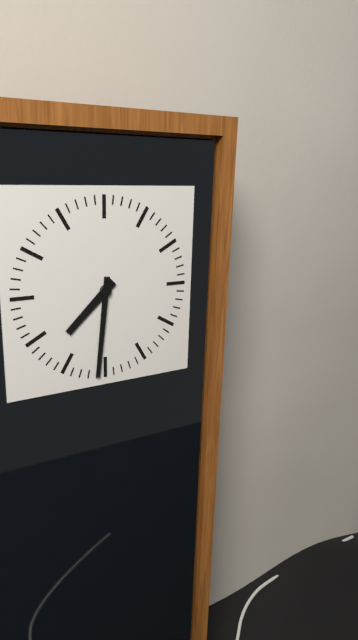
7h31
